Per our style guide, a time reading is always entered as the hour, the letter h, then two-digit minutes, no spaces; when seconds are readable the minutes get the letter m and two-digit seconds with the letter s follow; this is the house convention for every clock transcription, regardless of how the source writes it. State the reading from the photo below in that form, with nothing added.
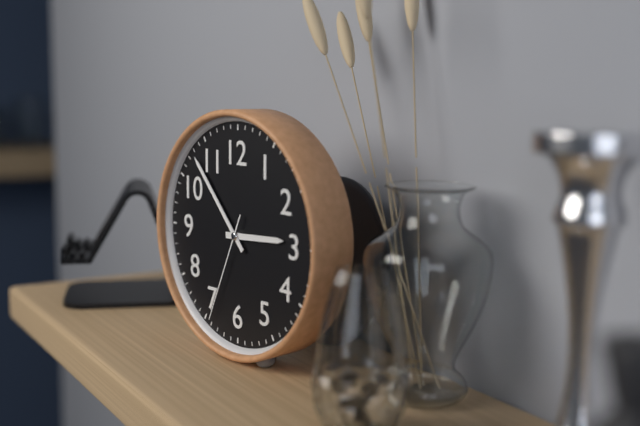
2h53m34s
